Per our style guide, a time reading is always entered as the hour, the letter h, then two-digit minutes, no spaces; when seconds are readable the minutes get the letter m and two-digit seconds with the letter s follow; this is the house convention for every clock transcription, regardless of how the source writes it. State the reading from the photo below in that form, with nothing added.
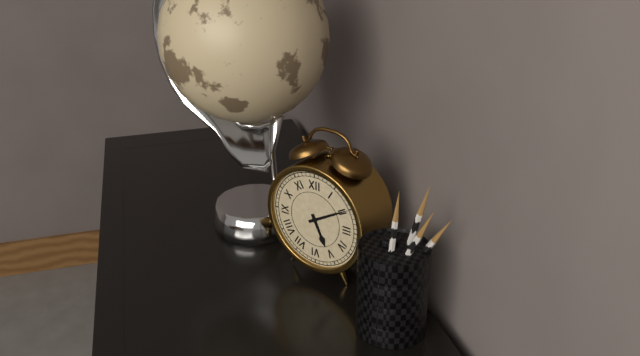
5h10
